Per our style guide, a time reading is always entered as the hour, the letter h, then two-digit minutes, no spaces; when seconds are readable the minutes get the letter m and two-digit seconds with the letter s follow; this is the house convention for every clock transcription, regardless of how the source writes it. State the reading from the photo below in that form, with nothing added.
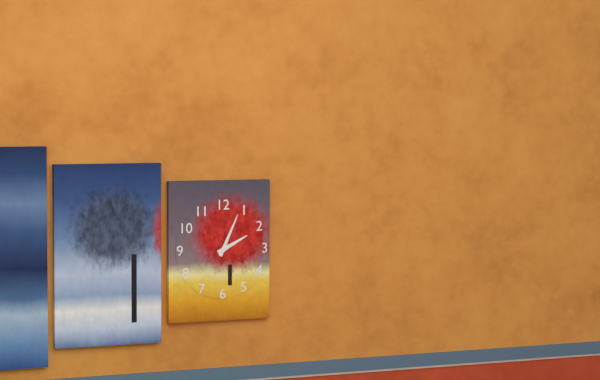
2h04
